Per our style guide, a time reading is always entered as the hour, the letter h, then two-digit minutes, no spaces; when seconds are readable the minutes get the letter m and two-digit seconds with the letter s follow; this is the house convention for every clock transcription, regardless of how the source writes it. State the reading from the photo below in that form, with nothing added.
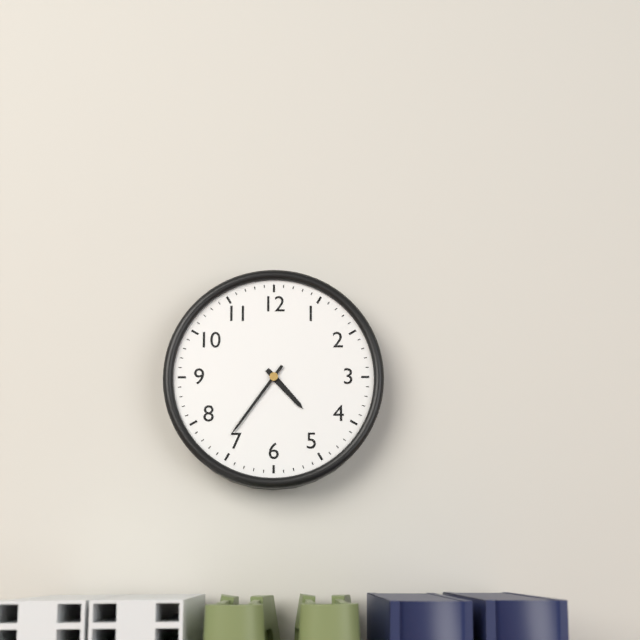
4h36
